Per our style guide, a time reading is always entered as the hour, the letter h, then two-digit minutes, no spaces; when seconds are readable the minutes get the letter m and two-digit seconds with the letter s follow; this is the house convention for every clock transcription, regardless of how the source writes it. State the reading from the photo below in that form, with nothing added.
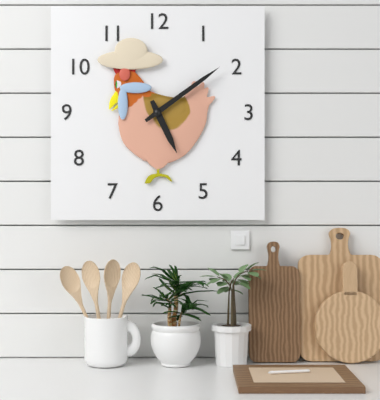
5h09
